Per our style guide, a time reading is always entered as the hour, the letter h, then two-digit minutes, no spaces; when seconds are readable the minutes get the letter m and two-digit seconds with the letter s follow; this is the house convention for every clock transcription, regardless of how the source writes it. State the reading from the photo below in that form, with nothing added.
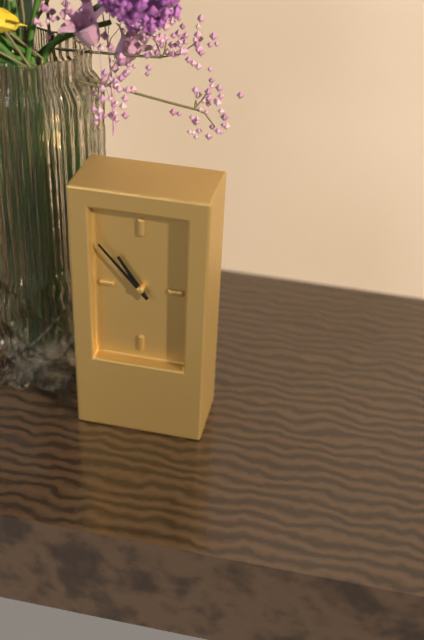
10h53
